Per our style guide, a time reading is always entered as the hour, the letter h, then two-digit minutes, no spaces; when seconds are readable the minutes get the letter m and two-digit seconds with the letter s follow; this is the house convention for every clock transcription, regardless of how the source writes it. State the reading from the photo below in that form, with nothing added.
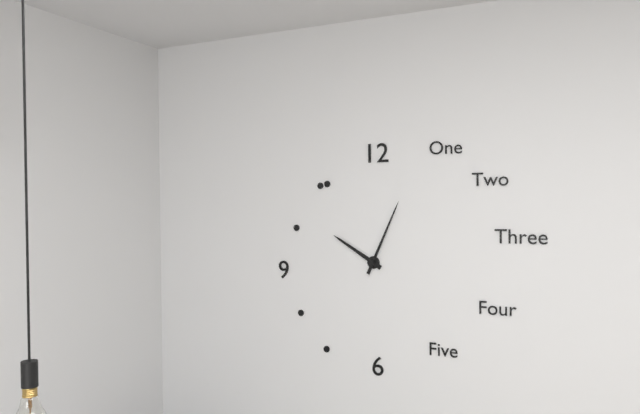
10h04
